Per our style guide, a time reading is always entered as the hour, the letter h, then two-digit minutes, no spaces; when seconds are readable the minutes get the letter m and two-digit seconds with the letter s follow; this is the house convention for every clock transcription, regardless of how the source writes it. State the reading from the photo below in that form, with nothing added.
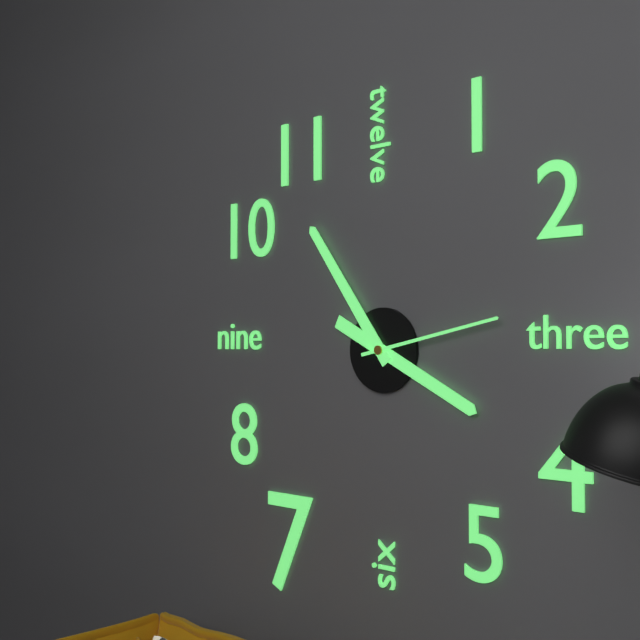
3h54m13s
